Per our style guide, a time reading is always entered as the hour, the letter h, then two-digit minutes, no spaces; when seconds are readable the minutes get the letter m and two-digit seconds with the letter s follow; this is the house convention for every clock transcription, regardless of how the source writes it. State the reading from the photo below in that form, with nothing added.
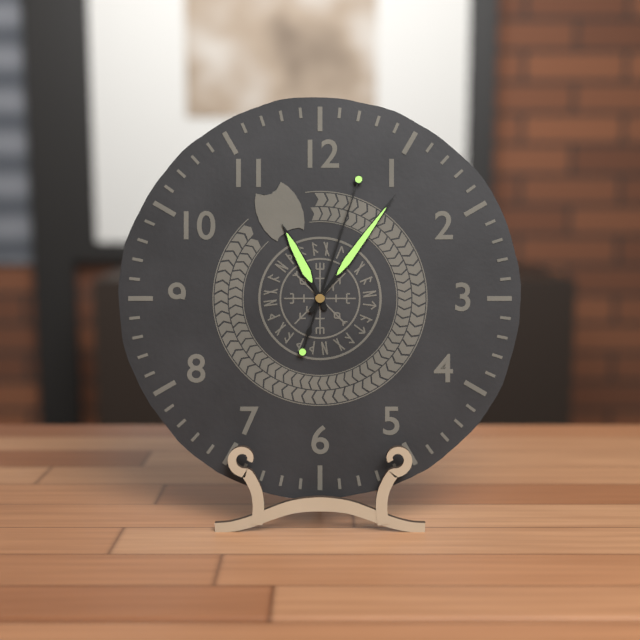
11h06m03s
